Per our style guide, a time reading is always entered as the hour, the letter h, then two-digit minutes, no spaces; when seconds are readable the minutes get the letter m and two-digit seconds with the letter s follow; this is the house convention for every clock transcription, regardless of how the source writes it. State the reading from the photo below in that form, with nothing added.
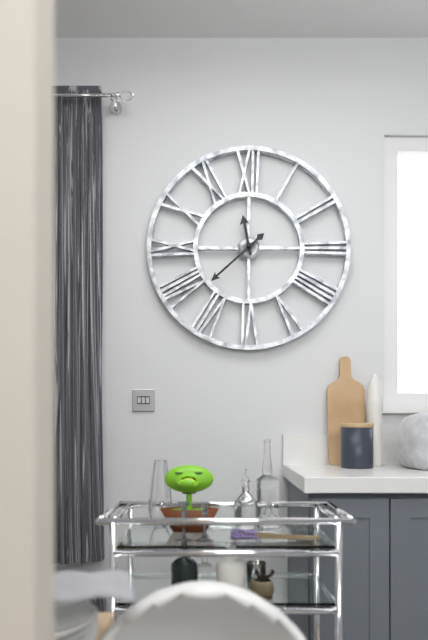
11h38
